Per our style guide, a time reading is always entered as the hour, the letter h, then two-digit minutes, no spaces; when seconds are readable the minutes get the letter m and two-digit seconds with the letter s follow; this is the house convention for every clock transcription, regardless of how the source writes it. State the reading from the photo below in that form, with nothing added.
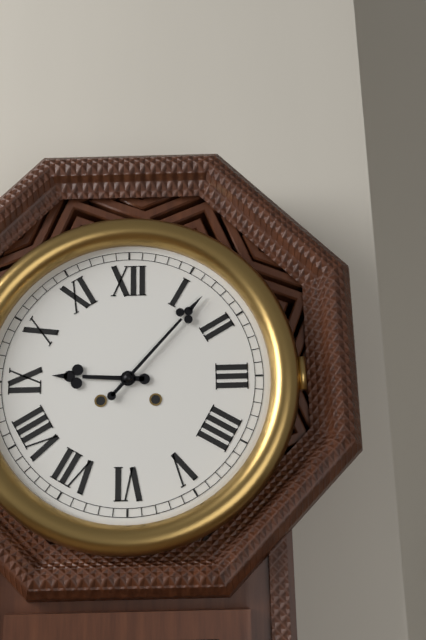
9h07
